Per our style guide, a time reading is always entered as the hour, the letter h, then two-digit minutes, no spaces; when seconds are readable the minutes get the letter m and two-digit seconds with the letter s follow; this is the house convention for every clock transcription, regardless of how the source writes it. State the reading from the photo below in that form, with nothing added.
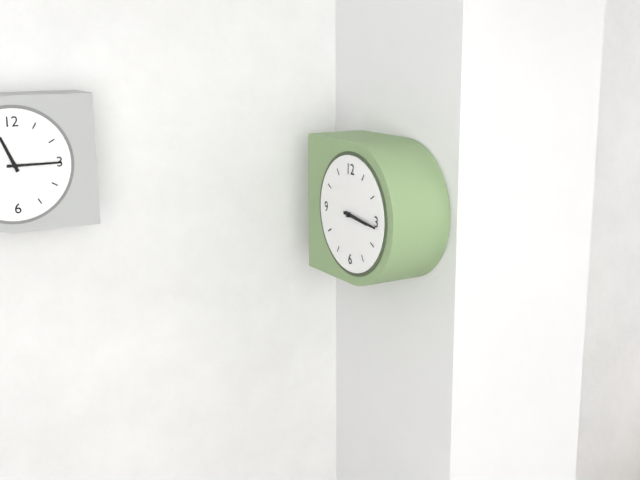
3h16
